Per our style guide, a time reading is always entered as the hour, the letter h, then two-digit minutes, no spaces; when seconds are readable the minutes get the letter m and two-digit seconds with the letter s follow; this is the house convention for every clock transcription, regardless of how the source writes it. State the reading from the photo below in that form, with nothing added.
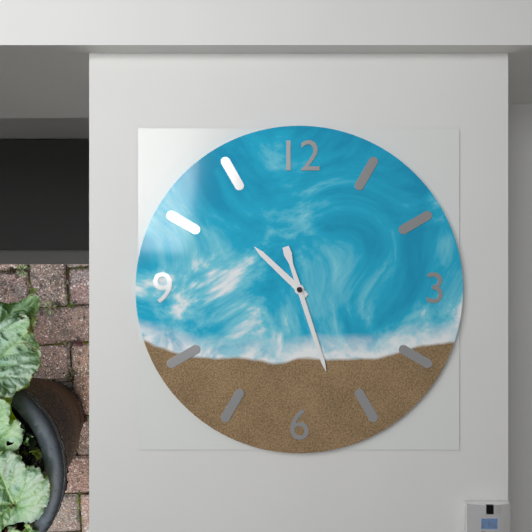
10h27
